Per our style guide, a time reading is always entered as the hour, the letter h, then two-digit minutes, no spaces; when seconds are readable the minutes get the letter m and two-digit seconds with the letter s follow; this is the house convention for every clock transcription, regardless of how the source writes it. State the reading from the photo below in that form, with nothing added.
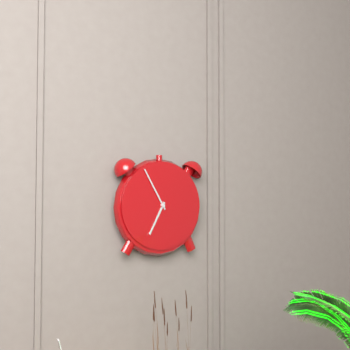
6h55
